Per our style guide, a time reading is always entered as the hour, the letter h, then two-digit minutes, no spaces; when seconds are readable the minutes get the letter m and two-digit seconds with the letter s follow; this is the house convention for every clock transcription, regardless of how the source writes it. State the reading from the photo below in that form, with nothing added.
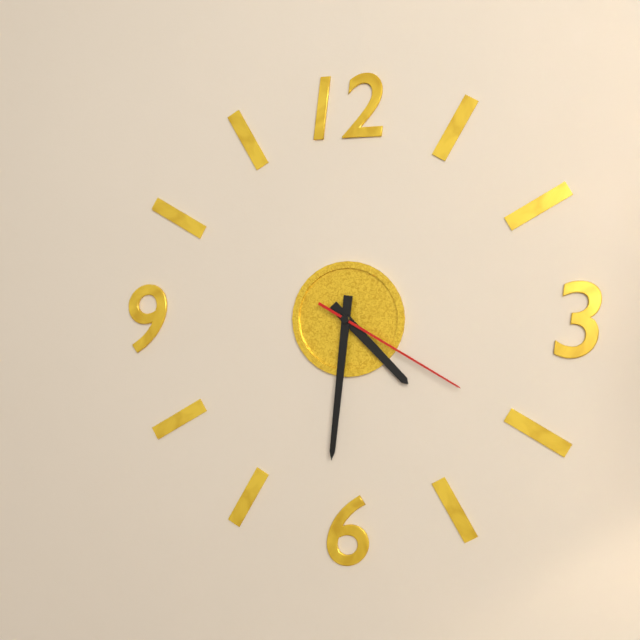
4h31m20s
